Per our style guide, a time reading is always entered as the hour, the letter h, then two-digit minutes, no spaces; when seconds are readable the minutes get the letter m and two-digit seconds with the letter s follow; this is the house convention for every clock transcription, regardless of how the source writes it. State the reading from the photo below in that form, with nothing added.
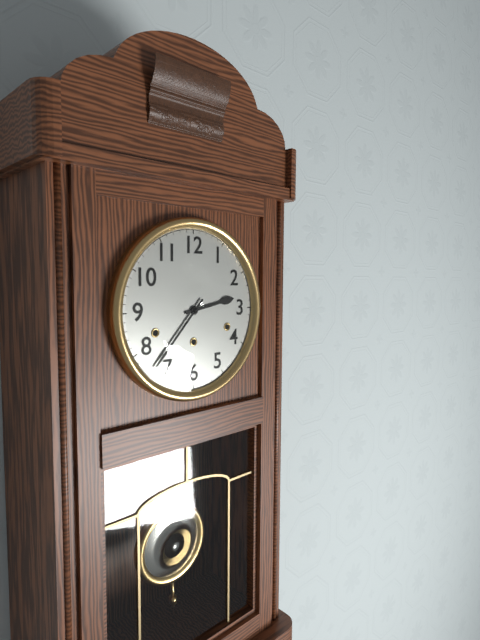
2h37
